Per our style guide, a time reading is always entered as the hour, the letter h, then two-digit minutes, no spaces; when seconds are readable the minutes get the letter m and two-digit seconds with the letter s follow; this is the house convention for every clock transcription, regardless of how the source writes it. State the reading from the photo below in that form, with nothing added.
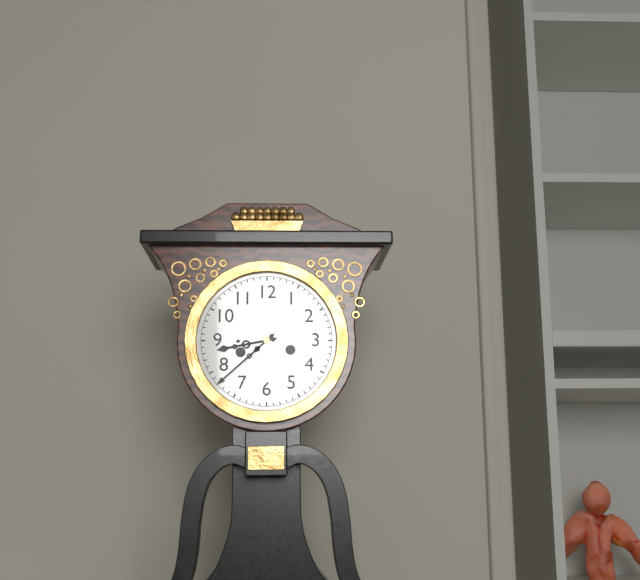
8h38
